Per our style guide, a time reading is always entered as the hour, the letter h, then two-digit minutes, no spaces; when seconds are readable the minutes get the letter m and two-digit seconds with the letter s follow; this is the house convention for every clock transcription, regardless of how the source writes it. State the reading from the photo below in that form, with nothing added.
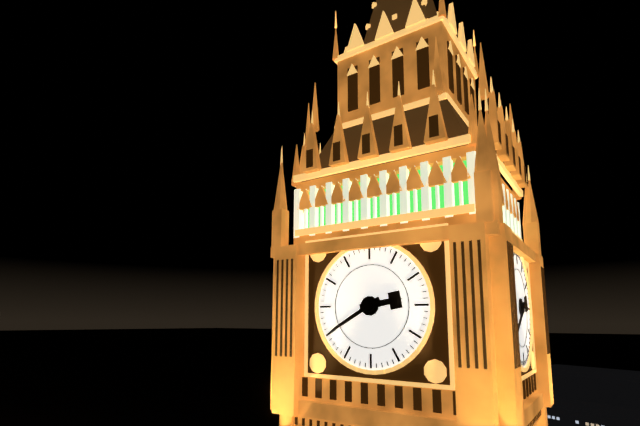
2h40
